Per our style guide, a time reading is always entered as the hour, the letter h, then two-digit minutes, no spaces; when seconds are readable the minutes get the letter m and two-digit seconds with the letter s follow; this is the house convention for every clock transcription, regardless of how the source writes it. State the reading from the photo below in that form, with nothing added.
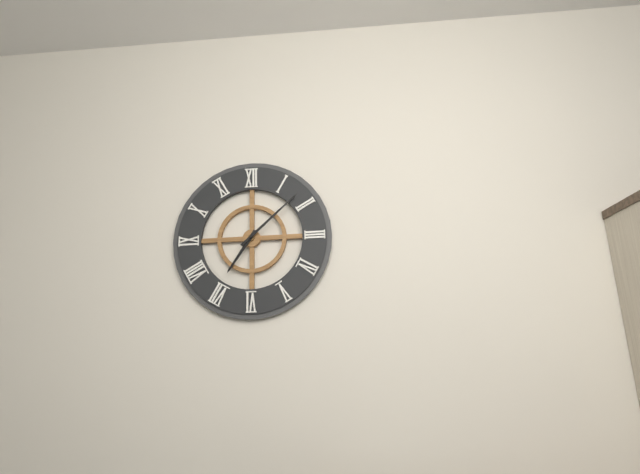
7h08
